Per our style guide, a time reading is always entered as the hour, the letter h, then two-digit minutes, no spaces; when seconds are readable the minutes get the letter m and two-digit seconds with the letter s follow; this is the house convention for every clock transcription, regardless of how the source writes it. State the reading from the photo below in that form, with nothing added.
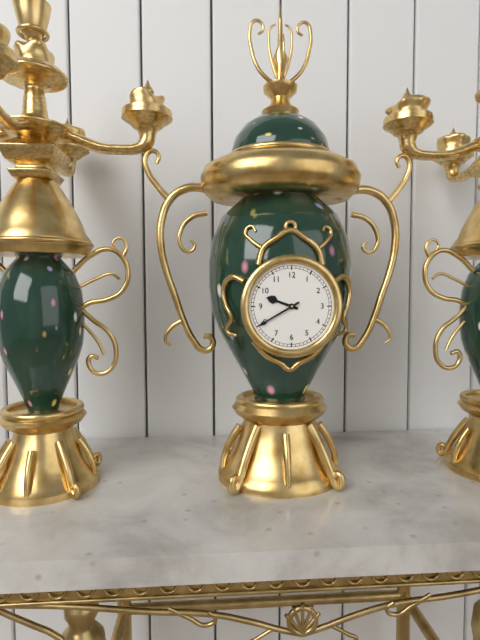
9h40
